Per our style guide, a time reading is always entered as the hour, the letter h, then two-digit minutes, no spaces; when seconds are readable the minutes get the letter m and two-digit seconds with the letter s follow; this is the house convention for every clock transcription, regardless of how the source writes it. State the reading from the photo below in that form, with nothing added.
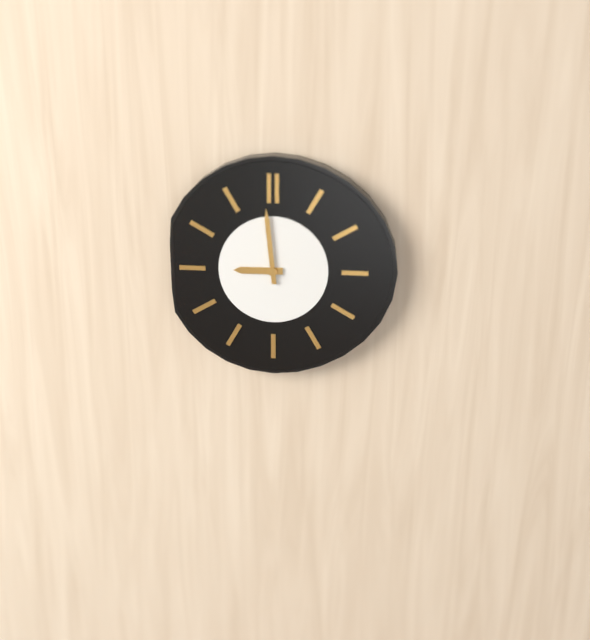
8h59
